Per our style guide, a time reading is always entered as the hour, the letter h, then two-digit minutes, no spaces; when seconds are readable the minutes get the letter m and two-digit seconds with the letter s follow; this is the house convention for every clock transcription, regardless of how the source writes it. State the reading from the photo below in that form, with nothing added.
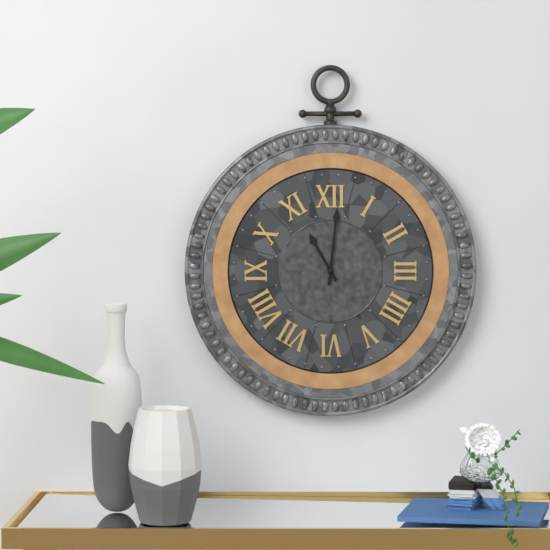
11h01
